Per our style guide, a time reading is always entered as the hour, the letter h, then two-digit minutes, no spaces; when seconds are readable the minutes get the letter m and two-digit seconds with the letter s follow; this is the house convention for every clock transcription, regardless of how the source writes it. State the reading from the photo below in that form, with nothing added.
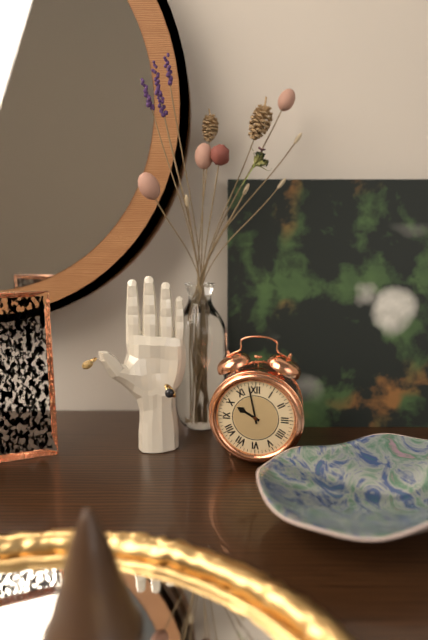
9h58
